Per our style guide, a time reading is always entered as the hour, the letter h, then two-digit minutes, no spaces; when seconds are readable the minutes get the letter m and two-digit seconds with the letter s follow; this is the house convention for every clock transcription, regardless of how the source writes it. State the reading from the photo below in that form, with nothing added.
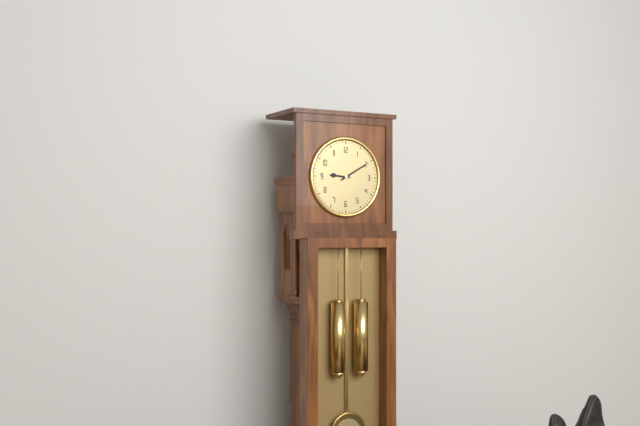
9h10
